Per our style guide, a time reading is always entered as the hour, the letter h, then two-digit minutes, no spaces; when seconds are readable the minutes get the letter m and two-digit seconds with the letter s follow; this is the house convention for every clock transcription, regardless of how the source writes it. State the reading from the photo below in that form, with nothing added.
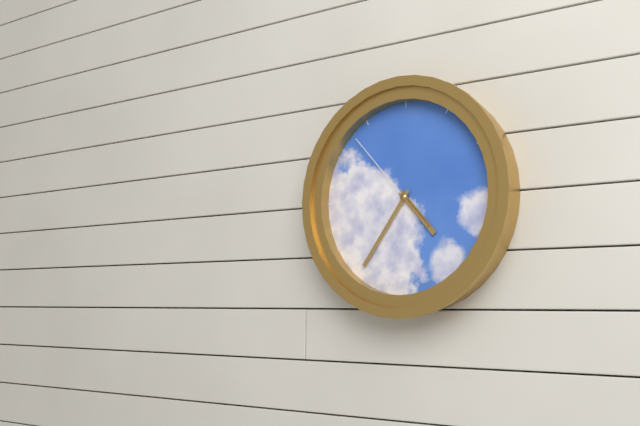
4h36m53s
